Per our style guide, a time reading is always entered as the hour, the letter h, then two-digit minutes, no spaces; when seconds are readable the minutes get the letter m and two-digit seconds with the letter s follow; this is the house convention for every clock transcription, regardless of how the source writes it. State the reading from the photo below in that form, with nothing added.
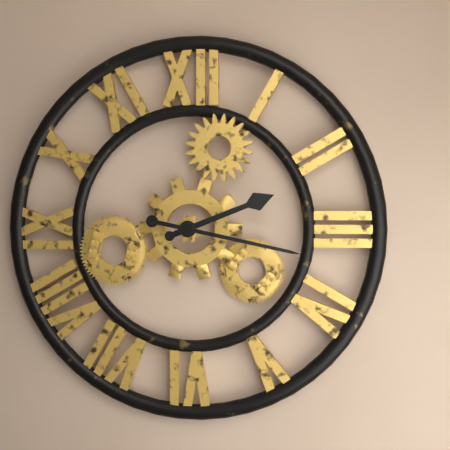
2h17
